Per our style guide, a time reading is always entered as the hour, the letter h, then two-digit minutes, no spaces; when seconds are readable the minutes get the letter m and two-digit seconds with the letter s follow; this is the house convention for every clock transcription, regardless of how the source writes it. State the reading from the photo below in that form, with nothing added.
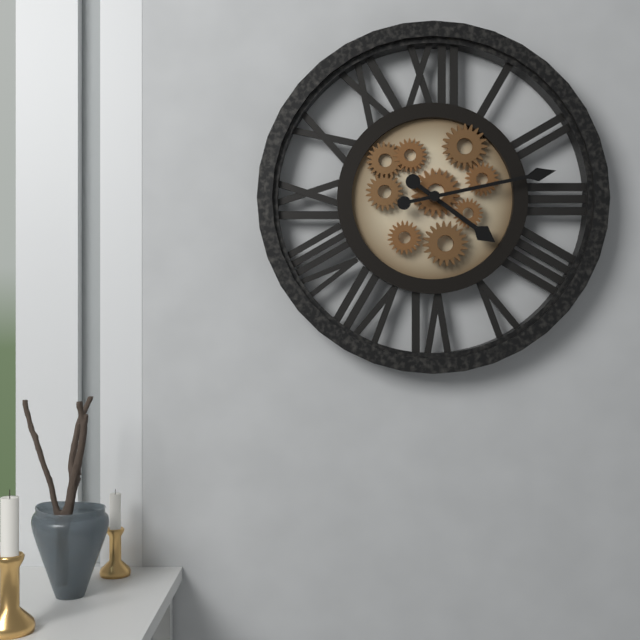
4h13
